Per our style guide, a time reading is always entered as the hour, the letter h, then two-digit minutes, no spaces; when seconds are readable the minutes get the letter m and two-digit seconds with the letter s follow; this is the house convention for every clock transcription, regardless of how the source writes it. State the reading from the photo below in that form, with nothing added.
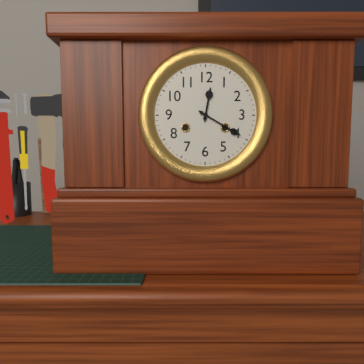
12h20
